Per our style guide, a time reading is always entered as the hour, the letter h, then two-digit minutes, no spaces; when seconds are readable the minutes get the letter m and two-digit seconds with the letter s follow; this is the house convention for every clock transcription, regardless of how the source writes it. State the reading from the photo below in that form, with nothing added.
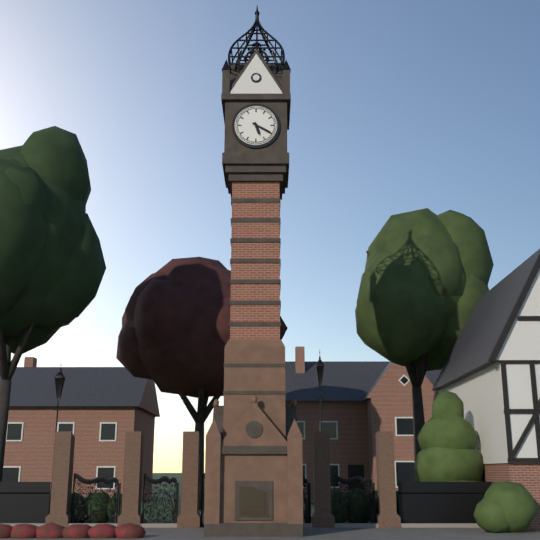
5h20
